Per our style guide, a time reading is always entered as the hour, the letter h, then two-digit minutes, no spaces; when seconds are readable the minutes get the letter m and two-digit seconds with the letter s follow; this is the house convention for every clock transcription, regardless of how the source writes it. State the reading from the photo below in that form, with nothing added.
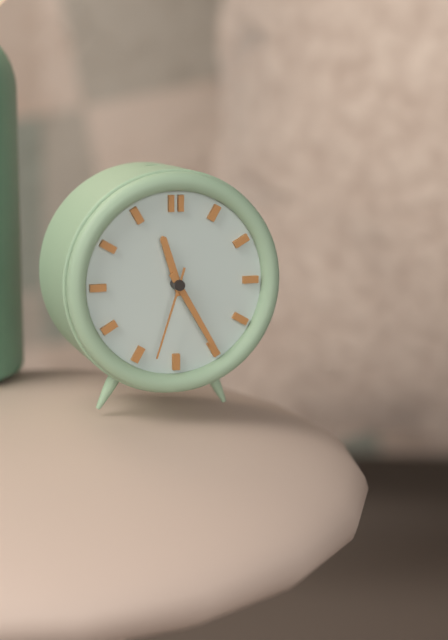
11h25m33s
